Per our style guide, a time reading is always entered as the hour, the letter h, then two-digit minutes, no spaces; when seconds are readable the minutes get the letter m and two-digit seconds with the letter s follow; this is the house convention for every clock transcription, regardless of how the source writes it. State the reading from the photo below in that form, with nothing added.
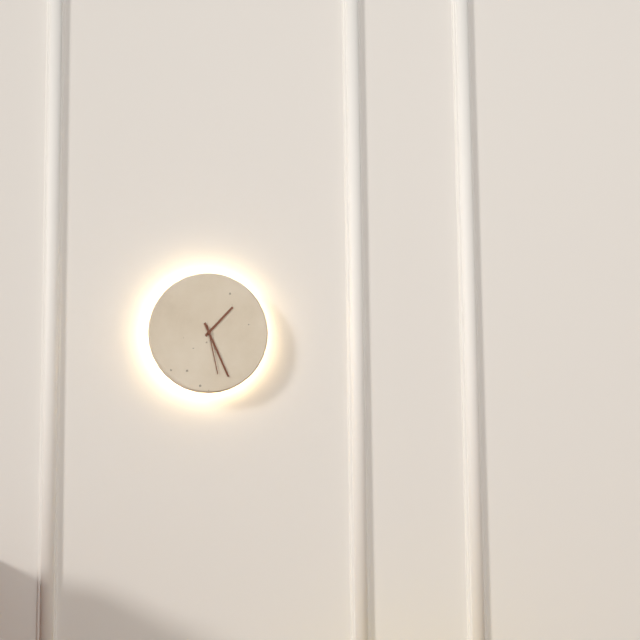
1h26m28s
